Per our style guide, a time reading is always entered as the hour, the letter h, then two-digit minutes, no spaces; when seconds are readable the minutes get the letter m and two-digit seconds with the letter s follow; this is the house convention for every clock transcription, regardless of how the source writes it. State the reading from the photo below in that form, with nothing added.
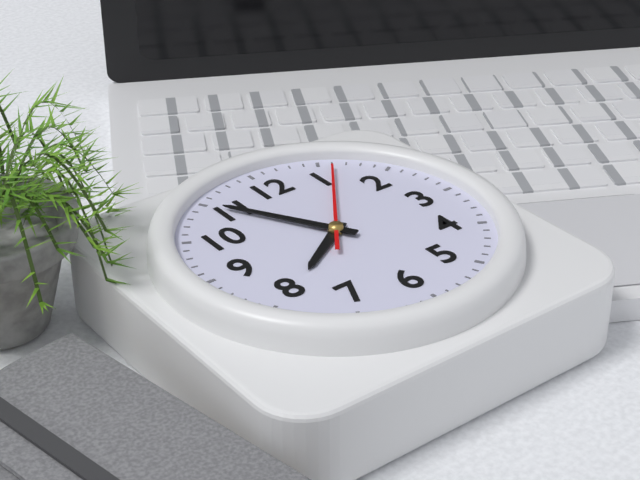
7h55m06s
